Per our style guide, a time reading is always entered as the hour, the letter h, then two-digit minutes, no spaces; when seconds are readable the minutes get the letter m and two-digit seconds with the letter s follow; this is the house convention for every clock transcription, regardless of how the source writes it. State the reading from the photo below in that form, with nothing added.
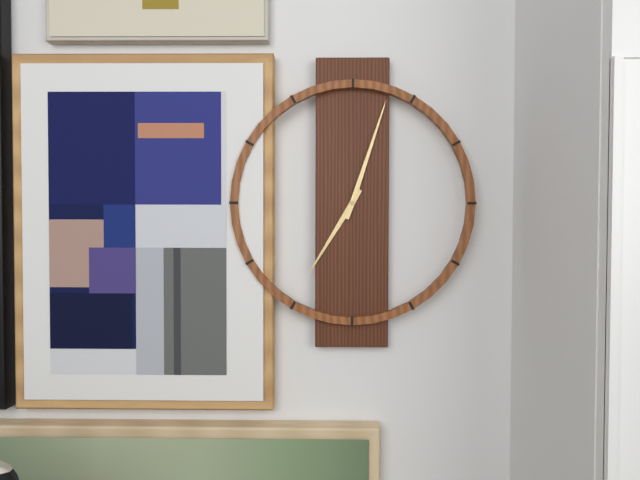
7h03
